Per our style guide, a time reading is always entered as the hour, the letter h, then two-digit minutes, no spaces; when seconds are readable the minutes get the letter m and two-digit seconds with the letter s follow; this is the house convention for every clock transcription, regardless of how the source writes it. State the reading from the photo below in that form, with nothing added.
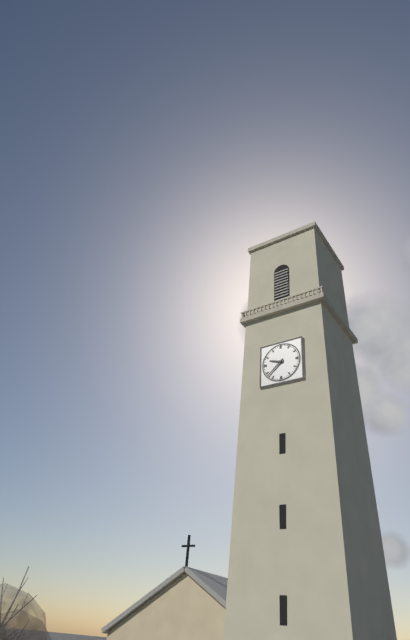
9h38
